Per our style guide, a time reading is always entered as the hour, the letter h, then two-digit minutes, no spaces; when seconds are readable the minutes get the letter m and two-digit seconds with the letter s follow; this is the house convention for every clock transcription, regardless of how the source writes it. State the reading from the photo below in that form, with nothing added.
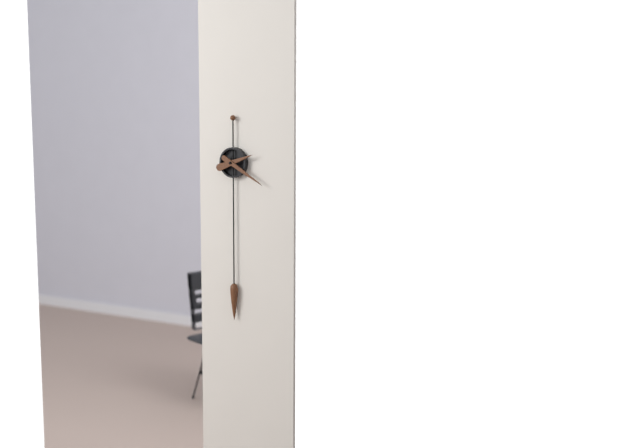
2h20
